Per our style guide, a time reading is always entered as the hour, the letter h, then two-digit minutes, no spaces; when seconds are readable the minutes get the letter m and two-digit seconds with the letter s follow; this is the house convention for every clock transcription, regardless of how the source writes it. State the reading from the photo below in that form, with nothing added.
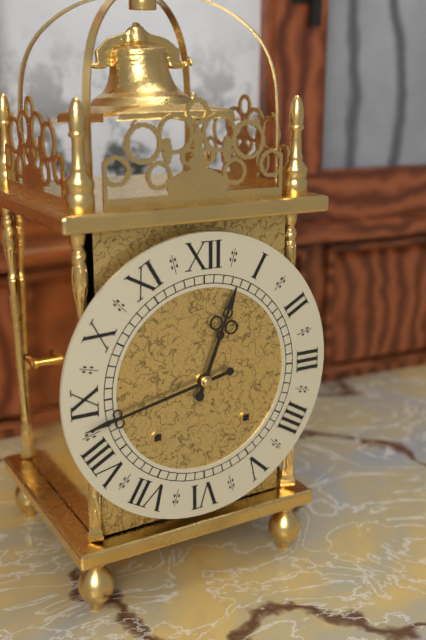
12h43
